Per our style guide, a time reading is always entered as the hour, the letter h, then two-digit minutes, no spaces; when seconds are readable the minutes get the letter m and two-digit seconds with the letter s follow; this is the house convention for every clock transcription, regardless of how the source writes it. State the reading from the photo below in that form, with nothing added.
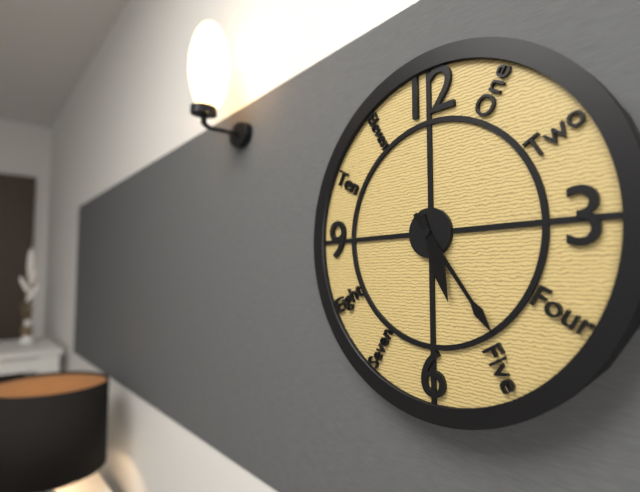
5h24
